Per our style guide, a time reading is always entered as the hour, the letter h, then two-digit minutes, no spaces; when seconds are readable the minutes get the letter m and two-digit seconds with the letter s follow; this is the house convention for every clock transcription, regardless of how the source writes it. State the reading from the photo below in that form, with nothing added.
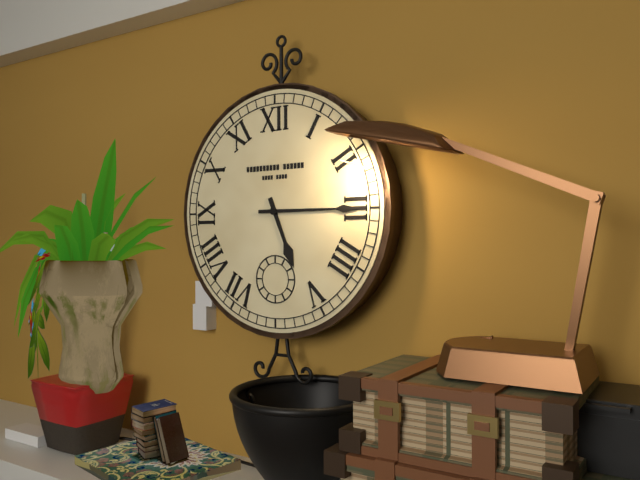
5h15
